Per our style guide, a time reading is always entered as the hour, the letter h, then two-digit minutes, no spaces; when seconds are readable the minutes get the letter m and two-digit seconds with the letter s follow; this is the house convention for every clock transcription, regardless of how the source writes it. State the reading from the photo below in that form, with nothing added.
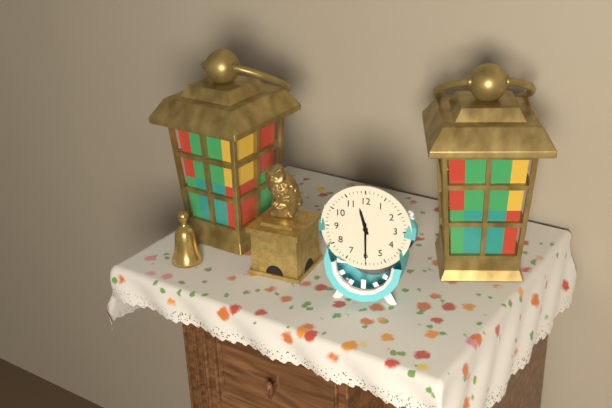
11h30
